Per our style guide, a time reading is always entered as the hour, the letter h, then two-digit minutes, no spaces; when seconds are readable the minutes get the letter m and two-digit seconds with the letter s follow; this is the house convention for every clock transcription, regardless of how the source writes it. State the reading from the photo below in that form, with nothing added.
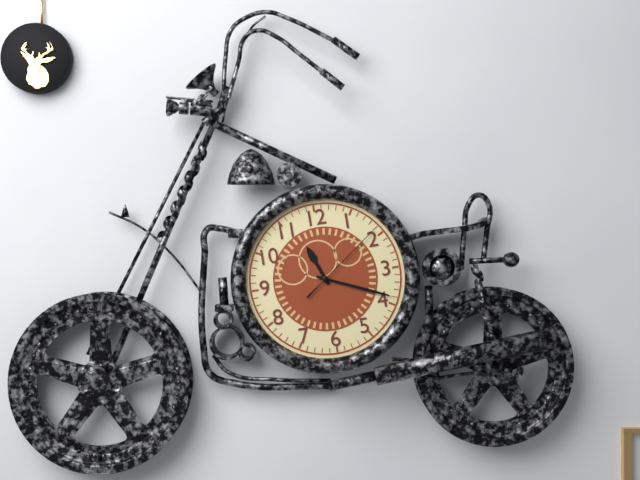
11h19m09s
